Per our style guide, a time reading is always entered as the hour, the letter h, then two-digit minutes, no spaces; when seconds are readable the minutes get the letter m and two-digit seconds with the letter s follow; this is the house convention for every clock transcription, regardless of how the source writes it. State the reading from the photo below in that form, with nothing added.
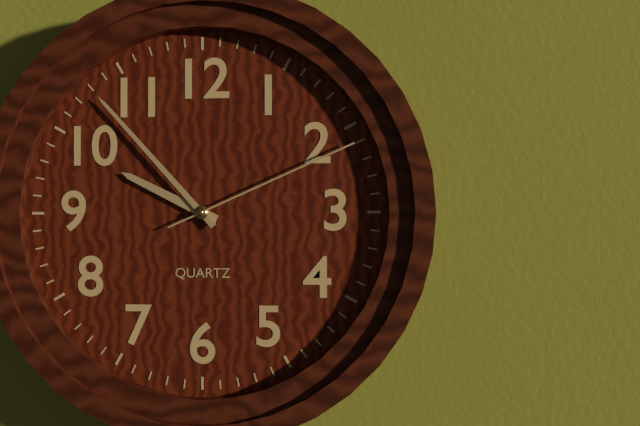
9h53m11s
